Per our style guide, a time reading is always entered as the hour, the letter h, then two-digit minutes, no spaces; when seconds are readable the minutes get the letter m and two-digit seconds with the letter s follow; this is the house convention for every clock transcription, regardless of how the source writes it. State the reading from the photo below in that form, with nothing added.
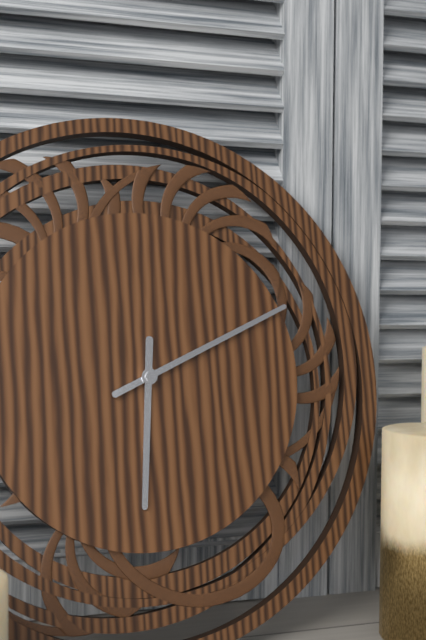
6h11
